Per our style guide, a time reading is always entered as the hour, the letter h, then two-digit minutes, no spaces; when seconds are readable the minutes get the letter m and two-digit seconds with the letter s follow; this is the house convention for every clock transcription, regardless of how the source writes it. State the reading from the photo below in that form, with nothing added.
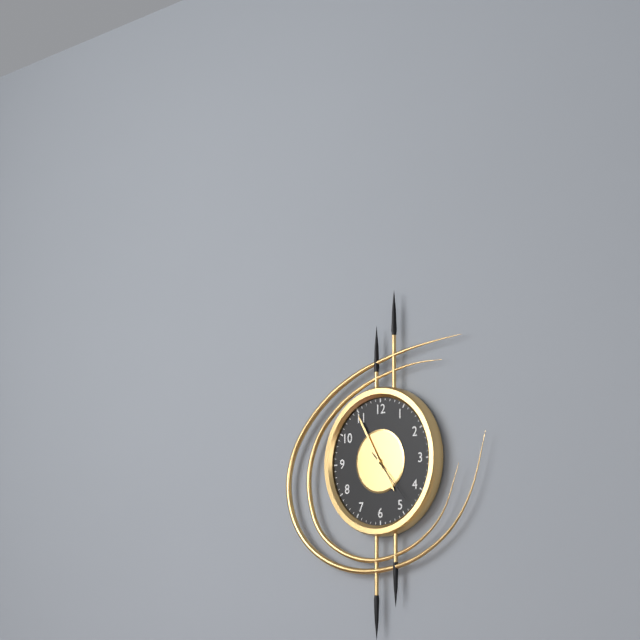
4h55m23s
